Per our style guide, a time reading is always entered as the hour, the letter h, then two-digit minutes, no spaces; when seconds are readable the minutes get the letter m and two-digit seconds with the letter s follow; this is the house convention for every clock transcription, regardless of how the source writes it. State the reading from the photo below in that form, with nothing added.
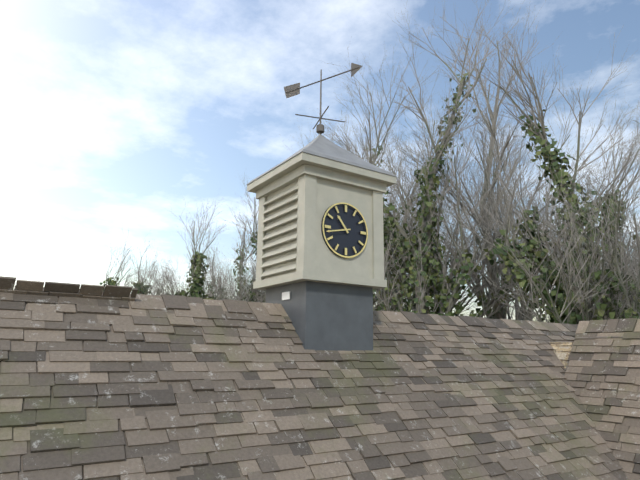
10h43
